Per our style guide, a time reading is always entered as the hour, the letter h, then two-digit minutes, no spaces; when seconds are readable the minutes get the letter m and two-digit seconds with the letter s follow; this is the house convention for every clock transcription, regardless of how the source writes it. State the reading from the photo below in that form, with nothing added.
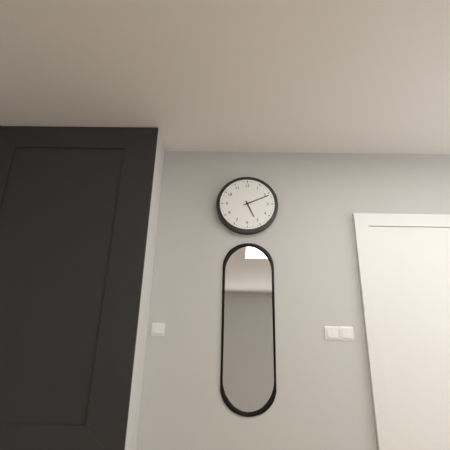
5h11
